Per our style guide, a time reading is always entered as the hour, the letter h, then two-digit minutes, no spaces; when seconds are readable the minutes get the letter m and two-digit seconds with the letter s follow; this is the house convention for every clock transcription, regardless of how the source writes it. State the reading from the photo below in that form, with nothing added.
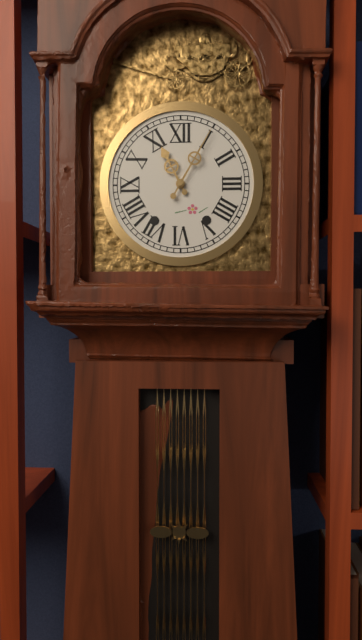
11h05
